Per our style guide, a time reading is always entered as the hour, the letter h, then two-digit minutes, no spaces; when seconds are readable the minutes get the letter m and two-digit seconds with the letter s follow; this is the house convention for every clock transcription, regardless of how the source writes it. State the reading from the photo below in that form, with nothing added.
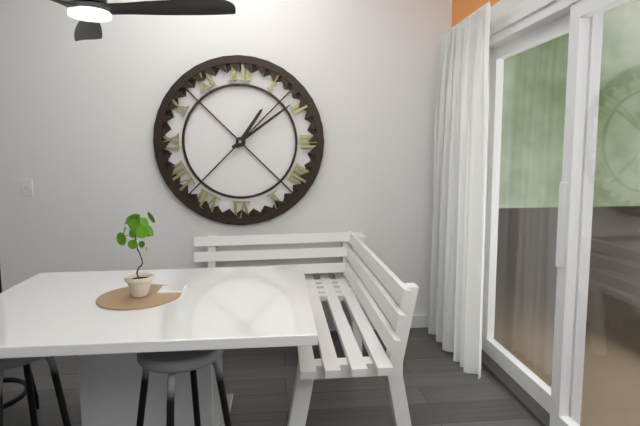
1h09
